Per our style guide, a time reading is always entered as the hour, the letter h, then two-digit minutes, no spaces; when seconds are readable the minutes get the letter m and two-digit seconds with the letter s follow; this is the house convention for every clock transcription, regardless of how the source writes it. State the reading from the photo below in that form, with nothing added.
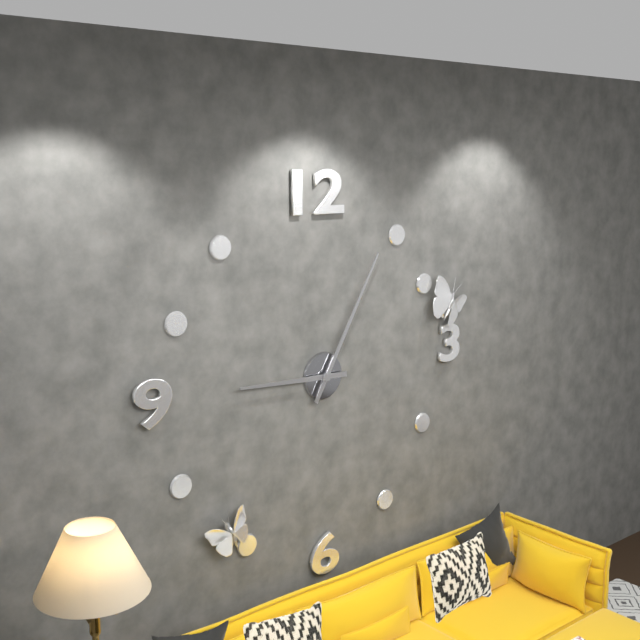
9h05
